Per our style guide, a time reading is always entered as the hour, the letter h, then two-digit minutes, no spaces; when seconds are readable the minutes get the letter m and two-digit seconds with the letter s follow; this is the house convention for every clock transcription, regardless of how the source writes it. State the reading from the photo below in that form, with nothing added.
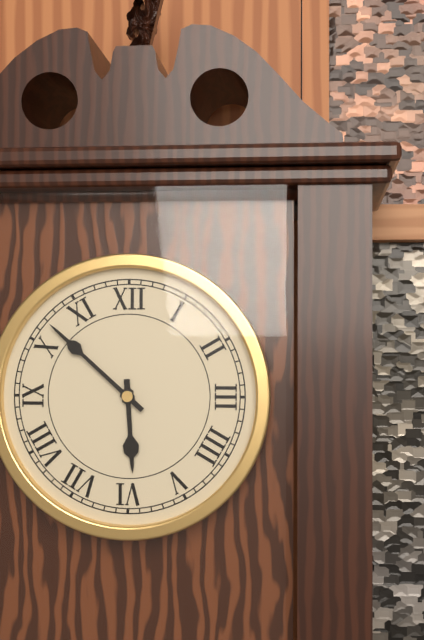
5h52
